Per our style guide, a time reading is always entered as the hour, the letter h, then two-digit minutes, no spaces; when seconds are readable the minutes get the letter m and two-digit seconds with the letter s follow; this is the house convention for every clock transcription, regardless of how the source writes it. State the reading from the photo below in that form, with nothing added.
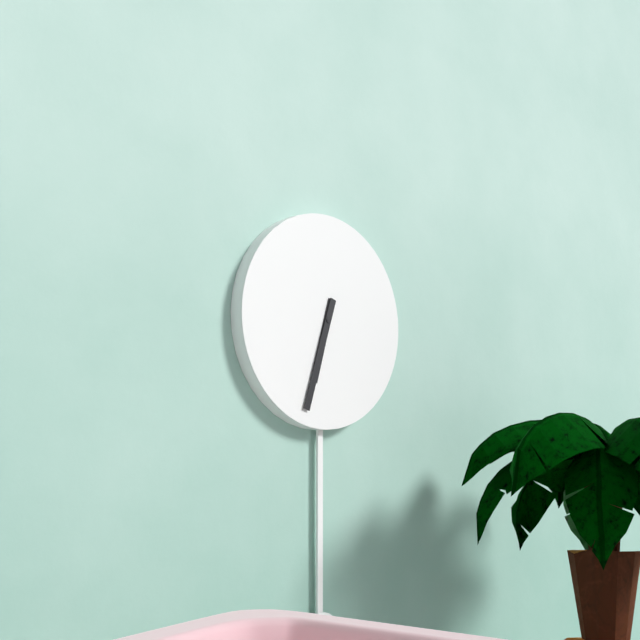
6h33
